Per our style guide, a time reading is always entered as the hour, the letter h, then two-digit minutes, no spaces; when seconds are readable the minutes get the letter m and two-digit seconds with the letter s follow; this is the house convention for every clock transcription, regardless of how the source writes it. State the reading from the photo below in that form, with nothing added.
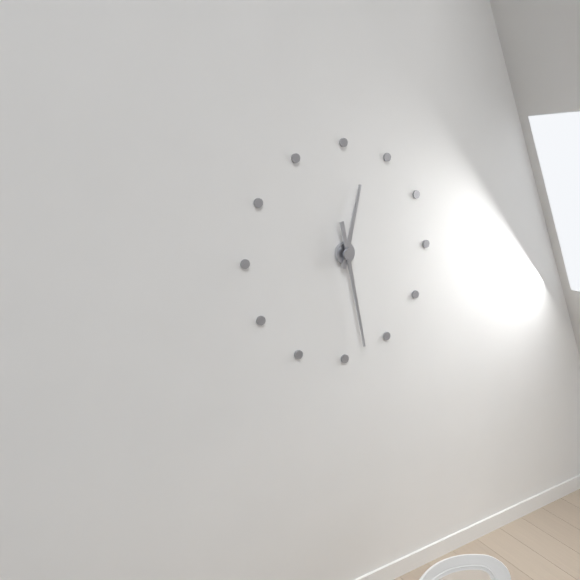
12h28
